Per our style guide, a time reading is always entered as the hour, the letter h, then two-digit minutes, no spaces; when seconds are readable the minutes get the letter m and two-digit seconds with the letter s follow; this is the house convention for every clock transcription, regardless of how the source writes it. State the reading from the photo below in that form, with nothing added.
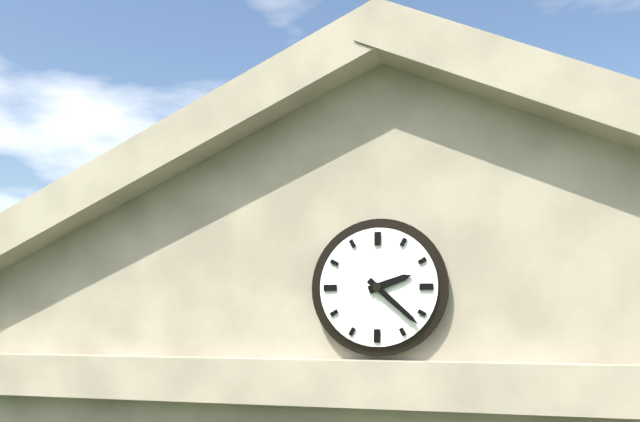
2h22
